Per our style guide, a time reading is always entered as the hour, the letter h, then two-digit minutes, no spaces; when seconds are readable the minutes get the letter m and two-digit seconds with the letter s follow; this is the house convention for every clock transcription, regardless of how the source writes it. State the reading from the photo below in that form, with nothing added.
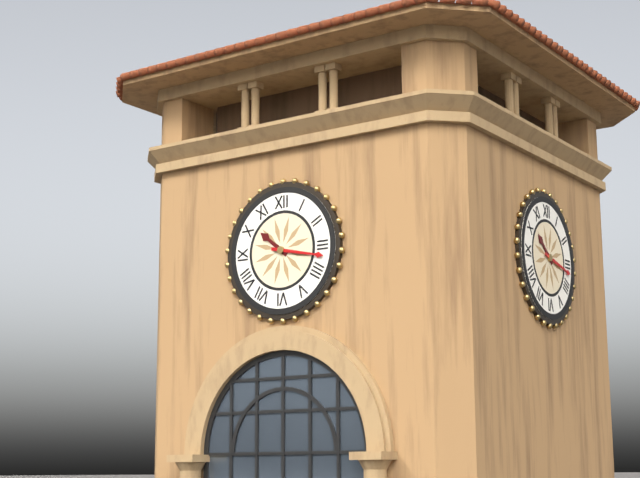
10h17
